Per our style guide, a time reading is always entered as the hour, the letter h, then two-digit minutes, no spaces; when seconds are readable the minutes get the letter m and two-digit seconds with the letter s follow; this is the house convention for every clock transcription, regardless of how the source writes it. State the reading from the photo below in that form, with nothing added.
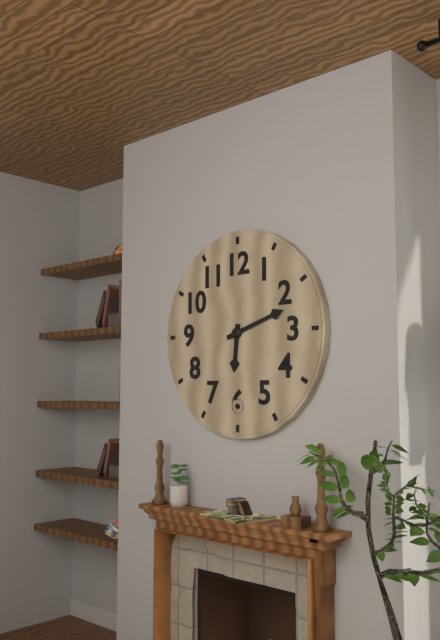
6h12
